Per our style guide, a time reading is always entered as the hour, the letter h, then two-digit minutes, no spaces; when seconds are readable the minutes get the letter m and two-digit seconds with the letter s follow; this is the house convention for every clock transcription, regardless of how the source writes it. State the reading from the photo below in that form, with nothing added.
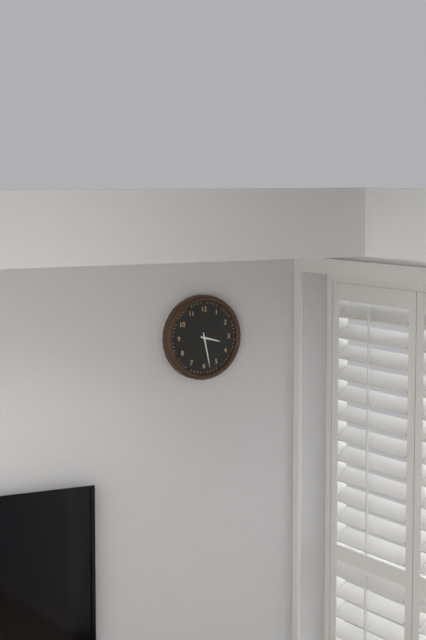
3h28
